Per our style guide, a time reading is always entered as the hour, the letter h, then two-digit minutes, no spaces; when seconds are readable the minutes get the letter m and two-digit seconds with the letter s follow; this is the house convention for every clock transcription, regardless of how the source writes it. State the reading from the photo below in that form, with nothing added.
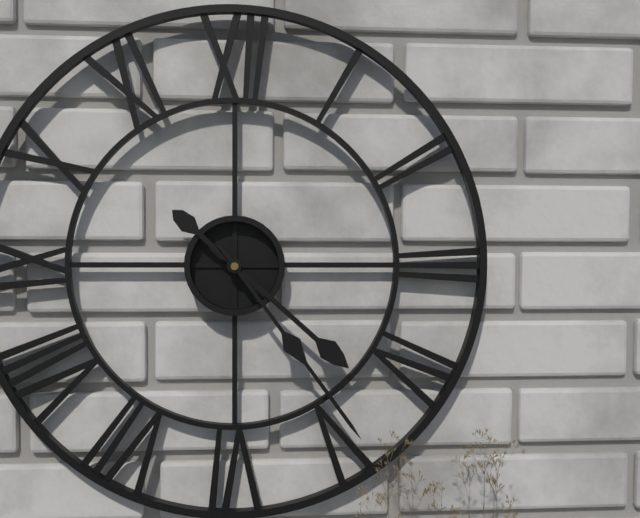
4h24
